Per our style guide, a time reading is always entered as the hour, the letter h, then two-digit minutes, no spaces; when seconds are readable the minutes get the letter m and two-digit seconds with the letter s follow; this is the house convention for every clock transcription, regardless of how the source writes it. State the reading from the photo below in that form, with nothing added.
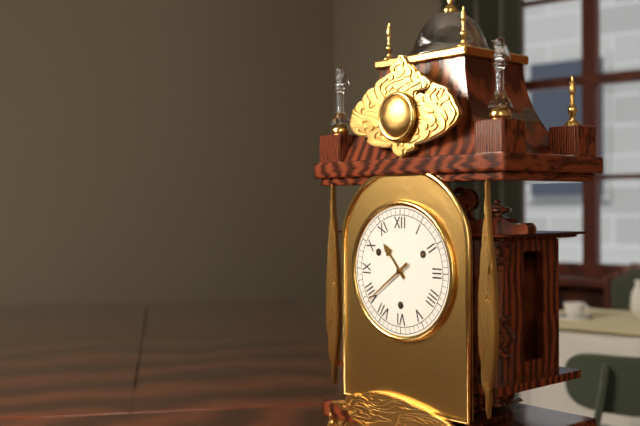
10h39
